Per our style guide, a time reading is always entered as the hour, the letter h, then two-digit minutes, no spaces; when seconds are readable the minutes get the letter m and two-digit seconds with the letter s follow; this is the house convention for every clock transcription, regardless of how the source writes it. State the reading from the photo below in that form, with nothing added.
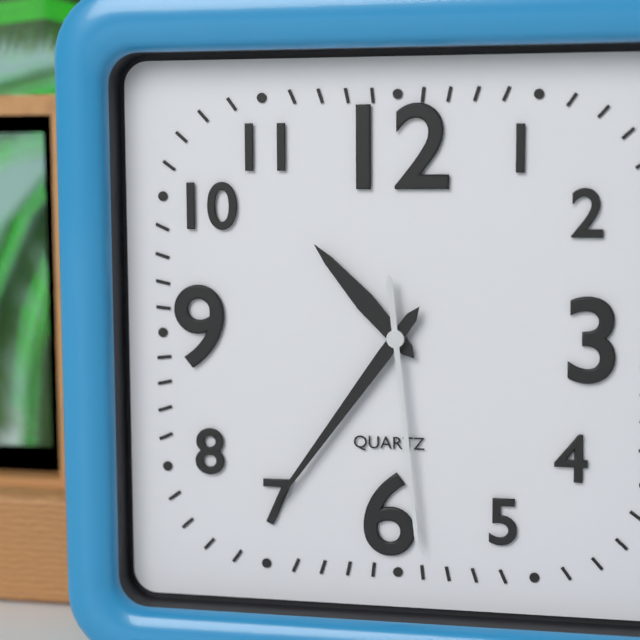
10h36m29s
